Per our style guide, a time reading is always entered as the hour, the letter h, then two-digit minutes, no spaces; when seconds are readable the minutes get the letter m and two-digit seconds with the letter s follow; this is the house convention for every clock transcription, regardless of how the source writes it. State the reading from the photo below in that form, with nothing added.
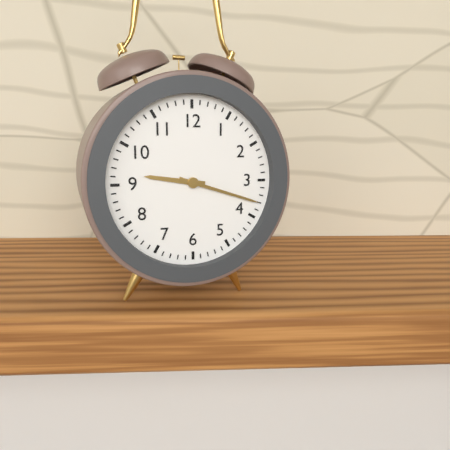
9h18
